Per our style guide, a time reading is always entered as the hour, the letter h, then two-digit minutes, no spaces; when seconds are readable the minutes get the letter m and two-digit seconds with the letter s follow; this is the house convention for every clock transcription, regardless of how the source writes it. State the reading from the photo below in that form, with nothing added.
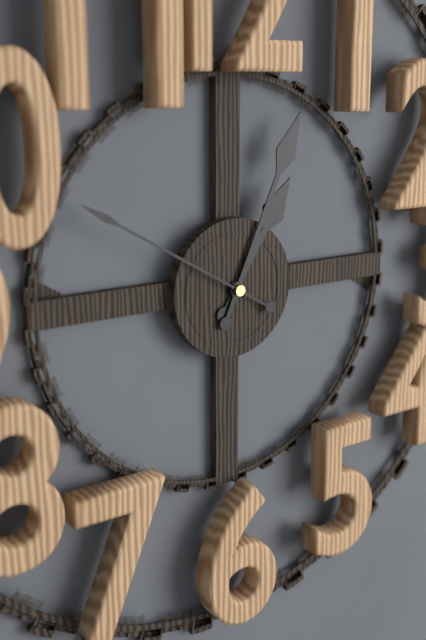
1h04m50s
